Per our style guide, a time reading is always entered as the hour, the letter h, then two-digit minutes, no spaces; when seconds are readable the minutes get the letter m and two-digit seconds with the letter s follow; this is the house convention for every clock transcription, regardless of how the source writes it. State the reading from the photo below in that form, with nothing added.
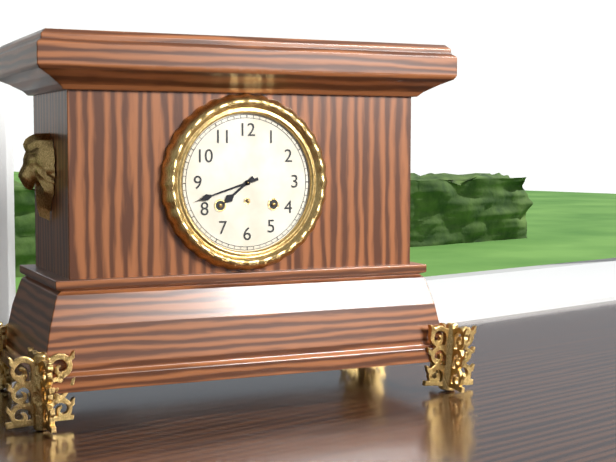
7h42
